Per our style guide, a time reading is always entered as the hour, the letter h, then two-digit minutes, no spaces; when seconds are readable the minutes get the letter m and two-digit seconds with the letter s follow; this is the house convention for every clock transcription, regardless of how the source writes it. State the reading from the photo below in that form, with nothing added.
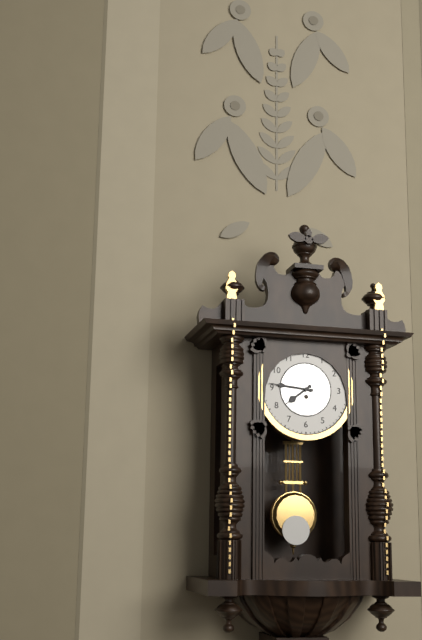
7h46
